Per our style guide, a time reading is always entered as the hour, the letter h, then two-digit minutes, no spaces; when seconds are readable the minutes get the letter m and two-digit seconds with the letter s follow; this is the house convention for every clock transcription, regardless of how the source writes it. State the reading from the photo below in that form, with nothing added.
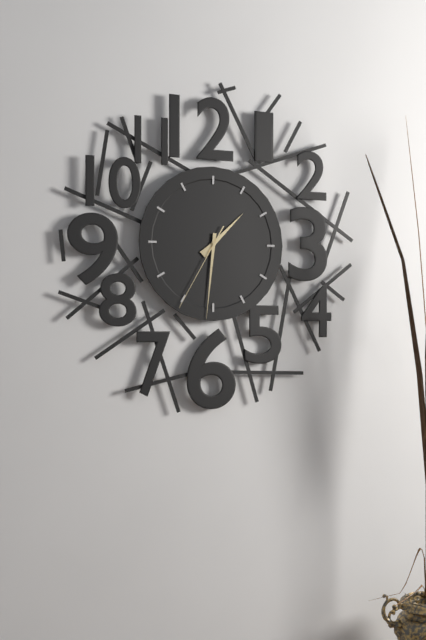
1h31m35s
